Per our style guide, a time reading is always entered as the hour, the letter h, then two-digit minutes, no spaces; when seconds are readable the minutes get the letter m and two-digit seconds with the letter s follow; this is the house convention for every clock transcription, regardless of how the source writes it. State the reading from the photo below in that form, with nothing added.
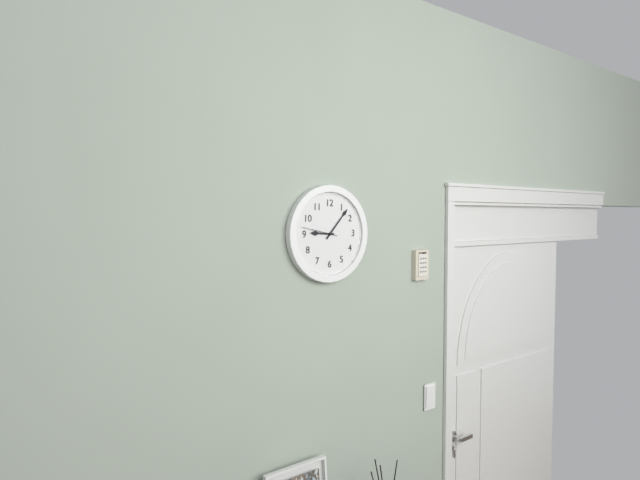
9h07
